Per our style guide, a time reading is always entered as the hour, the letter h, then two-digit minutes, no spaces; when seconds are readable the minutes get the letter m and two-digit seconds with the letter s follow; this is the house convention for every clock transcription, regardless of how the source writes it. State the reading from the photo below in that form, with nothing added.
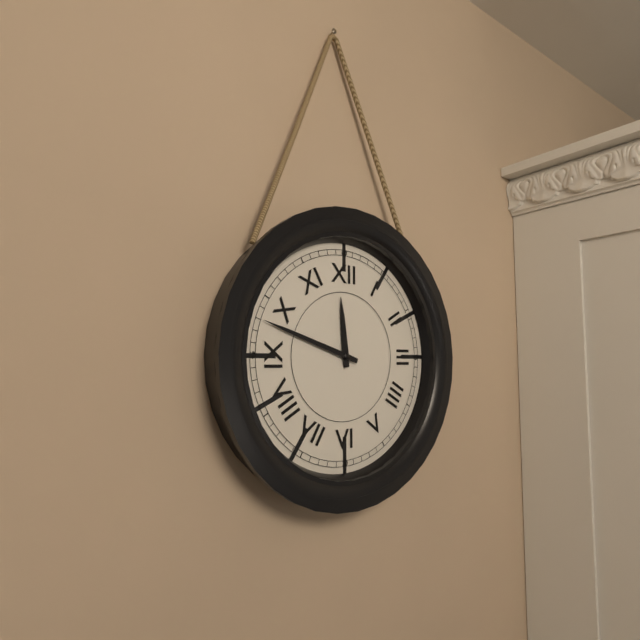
11h48
